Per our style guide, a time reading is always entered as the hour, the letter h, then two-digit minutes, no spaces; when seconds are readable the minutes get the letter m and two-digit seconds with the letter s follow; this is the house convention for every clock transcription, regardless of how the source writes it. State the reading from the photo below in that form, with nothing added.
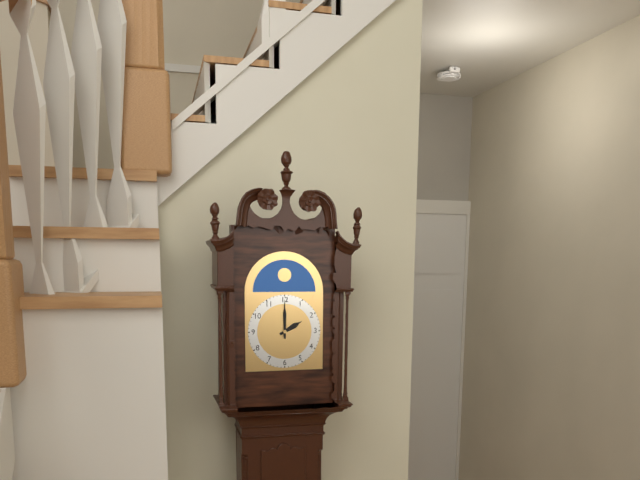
2h00
